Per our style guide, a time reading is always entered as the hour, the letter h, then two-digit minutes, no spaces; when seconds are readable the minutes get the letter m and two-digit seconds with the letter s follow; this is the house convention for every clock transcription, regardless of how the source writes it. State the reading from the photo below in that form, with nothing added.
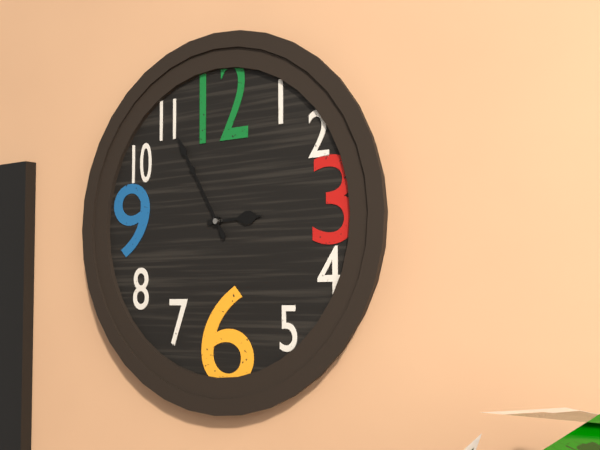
2h55
